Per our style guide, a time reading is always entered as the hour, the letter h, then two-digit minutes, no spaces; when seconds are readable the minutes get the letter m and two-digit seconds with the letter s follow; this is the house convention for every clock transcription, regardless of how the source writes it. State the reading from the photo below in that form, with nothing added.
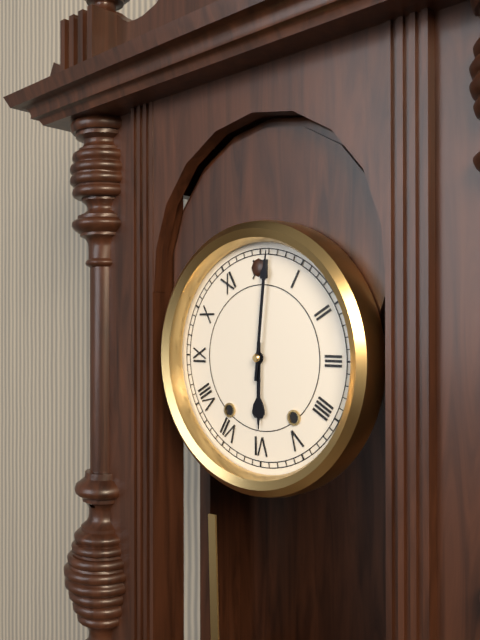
6h01
